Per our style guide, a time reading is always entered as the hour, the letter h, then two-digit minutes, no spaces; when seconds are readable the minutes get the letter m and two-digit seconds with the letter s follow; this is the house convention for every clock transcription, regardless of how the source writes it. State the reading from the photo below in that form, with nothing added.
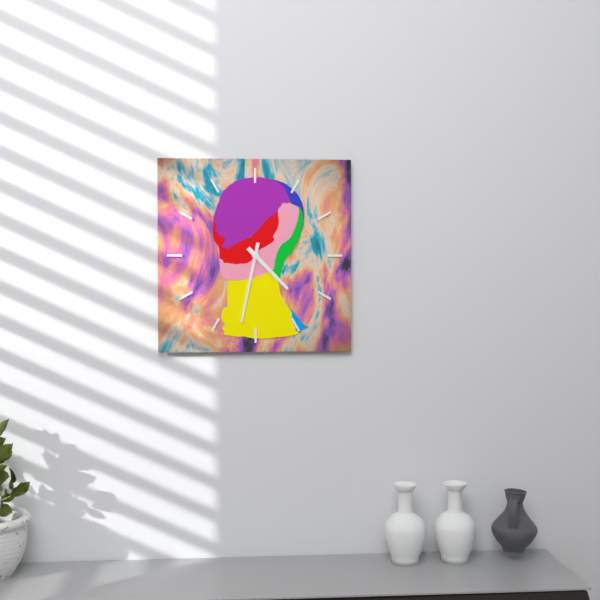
4h32
